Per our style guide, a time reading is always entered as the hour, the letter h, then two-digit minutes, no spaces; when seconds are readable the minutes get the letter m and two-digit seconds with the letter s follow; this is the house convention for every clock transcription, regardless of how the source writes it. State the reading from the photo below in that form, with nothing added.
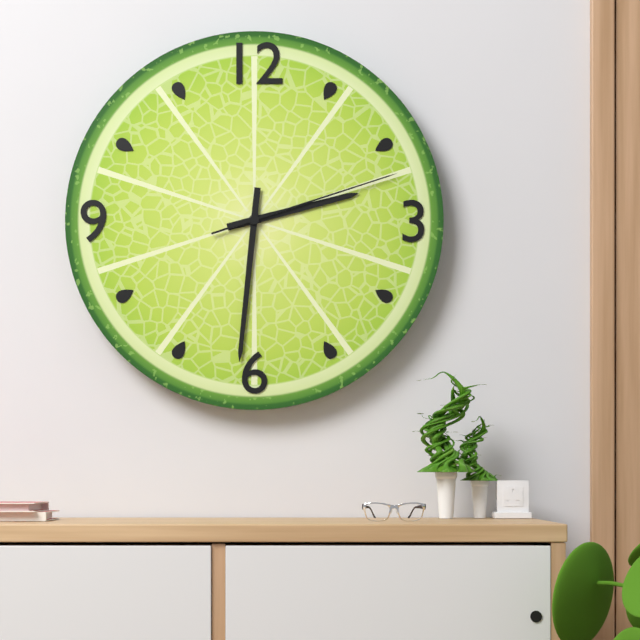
2h31m12s
